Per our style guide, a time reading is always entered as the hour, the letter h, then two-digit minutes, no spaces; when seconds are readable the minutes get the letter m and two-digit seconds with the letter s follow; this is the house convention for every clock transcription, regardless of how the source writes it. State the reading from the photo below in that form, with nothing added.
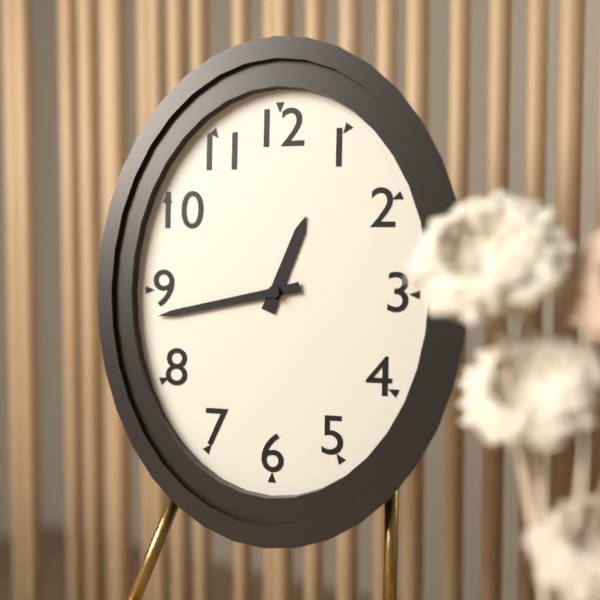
12h43
